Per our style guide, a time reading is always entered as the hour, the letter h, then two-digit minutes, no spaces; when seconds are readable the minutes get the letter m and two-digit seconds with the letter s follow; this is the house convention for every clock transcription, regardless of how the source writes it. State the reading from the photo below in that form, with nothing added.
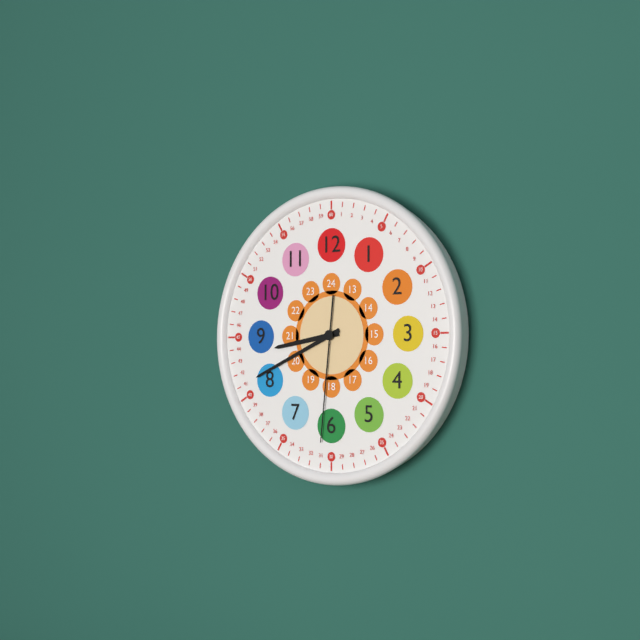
8h41m31s
